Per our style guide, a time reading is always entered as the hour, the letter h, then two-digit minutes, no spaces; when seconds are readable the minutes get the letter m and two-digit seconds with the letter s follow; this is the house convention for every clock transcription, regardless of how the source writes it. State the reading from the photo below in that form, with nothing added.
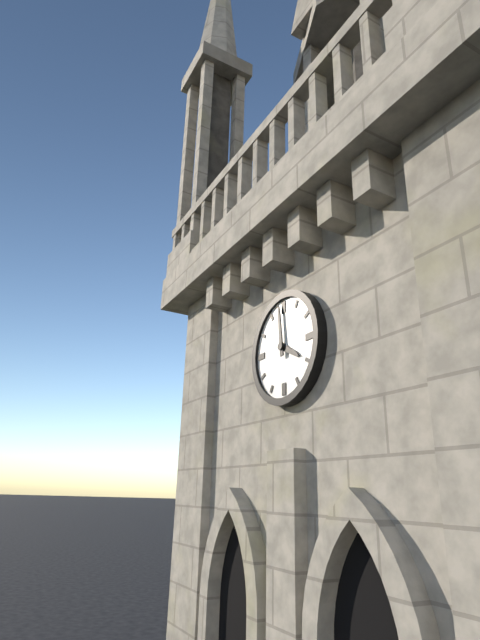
3h59
